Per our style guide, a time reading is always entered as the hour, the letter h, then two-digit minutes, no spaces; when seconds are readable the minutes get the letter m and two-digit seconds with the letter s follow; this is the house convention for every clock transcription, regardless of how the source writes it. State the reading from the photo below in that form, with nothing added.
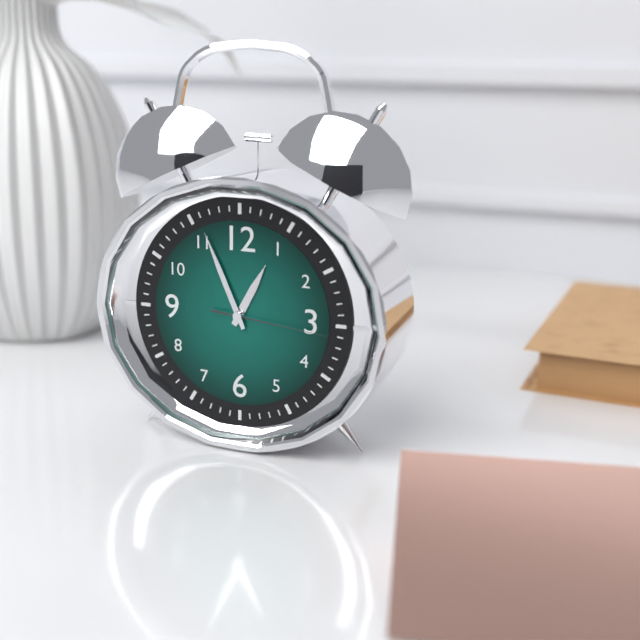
12h56m16s
